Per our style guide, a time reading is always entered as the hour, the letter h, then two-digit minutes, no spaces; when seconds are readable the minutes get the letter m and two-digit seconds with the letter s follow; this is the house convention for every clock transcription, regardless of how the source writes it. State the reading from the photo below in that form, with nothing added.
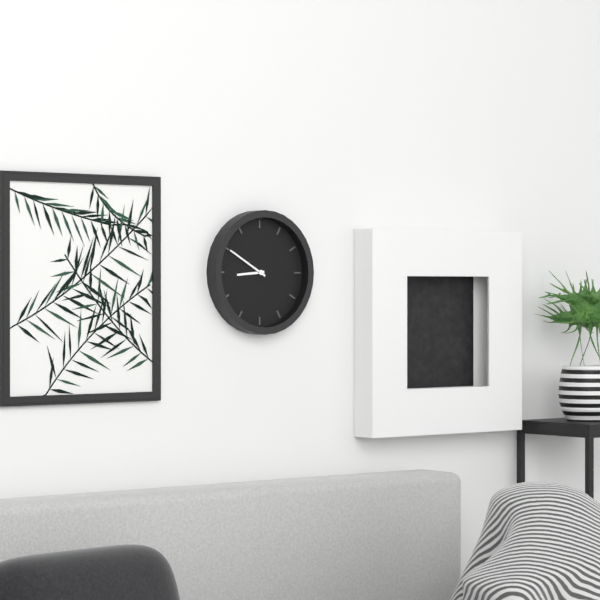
8h50
